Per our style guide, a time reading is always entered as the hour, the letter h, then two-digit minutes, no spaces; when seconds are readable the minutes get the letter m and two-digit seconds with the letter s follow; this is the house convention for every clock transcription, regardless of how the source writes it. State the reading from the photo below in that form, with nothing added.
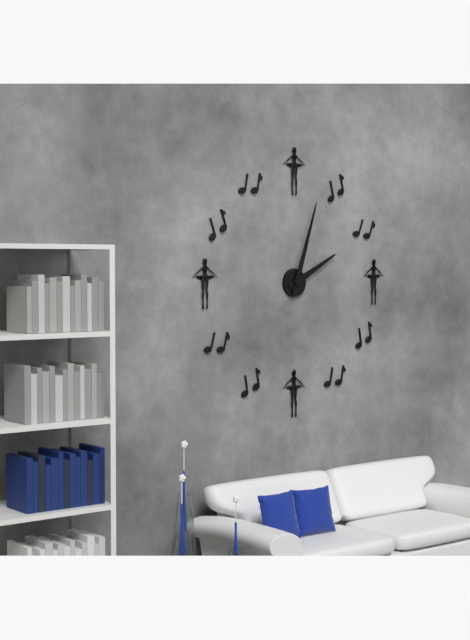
2h03
